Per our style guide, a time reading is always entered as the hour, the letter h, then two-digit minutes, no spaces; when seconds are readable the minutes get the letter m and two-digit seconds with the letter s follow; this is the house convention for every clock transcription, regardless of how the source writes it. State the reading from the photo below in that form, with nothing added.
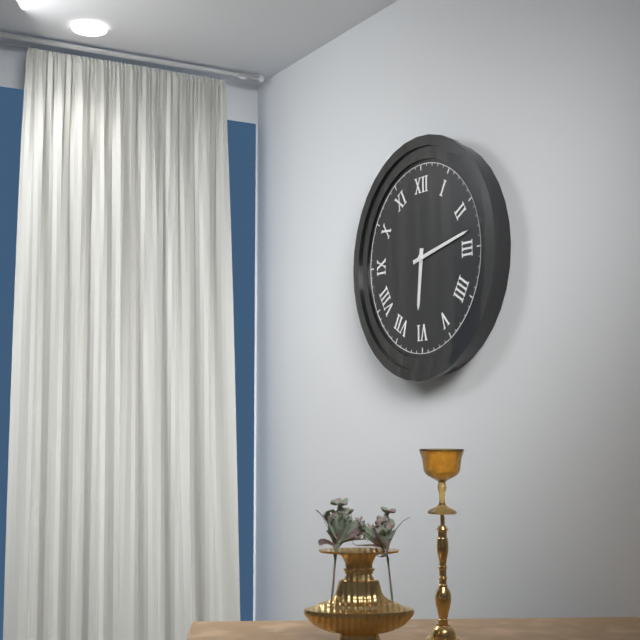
6h13
